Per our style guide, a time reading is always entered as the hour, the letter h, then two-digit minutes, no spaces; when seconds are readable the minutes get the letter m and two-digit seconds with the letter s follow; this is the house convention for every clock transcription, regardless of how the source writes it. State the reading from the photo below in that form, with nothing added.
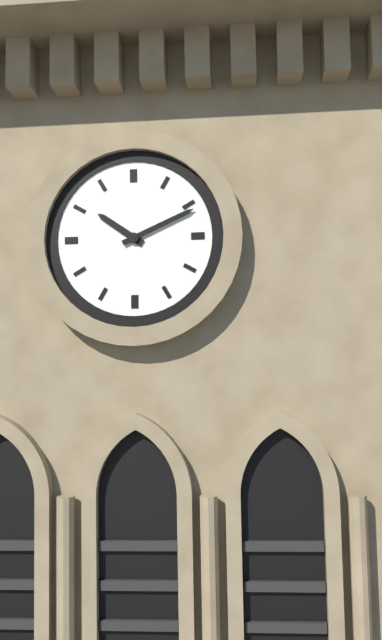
10h11
